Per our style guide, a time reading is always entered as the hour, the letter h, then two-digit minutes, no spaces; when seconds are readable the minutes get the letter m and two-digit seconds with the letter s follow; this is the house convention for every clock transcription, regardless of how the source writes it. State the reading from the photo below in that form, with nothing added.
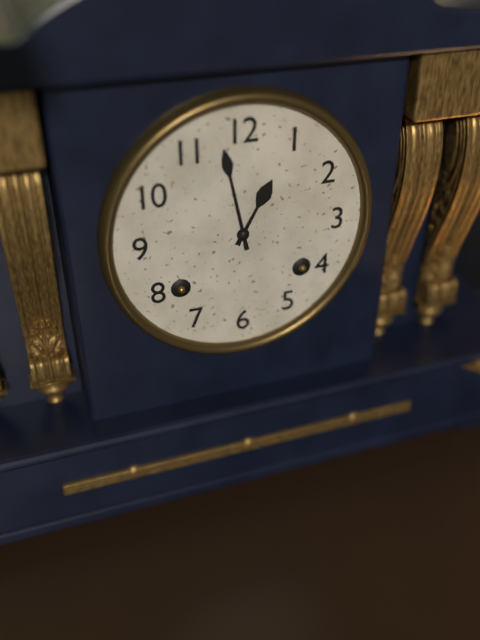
12h58
